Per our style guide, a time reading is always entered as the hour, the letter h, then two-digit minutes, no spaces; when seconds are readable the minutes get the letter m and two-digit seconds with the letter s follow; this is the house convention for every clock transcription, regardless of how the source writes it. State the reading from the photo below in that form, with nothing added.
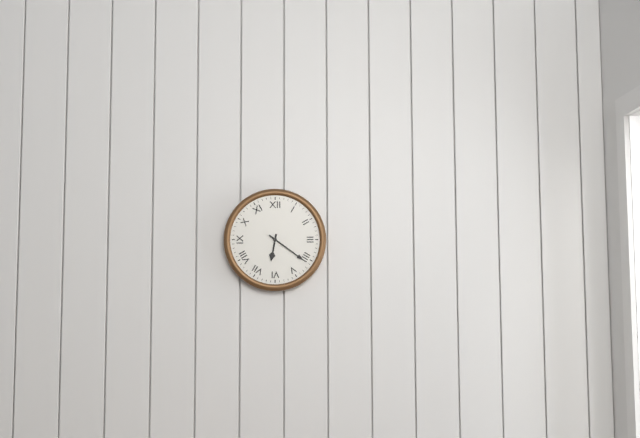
6h21
